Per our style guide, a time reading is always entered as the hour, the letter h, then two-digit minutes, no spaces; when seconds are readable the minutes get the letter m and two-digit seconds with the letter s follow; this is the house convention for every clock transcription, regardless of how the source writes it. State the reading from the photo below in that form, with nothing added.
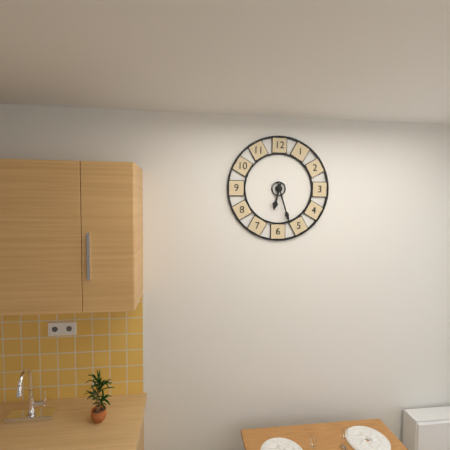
6h27
